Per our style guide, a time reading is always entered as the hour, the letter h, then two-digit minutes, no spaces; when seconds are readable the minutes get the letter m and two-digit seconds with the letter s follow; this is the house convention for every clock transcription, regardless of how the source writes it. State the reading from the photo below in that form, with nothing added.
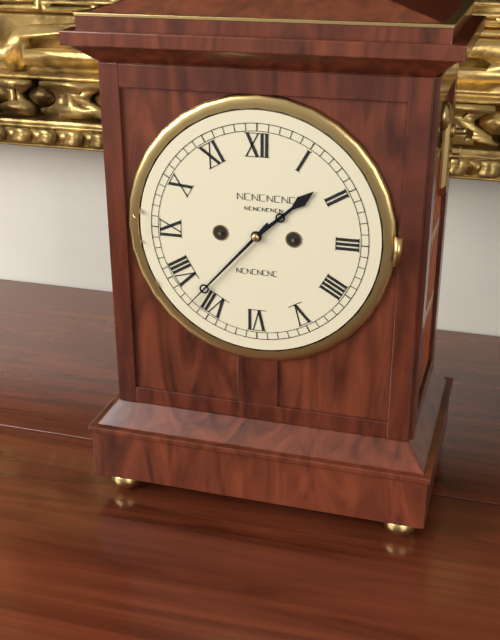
1h37
